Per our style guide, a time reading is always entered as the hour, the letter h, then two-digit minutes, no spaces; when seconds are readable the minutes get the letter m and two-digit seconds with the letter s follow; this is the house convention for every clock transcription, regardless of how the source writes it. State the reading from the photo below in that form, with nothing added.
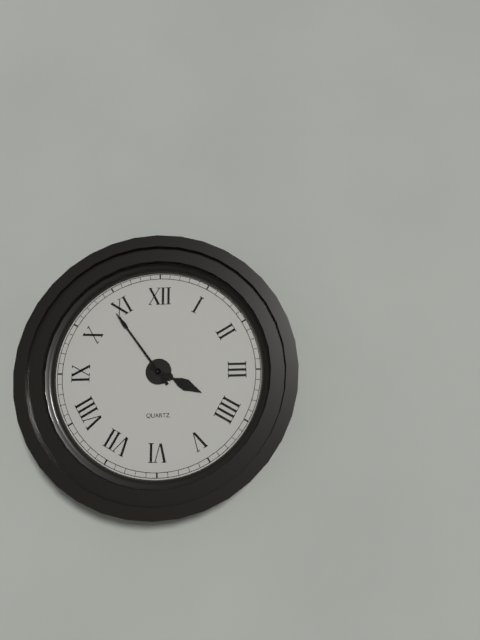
3h54
